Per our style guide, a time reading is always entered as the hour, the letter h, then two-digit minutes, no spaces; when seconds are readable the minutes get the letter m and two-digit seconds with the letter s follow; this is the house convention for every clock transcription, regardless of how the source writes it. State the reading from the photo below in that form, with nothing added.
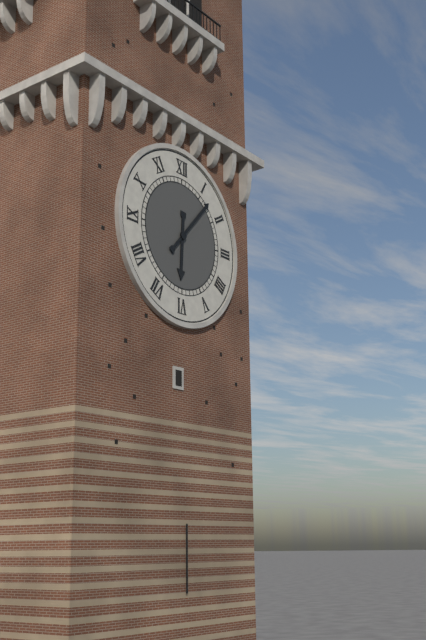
6h07
